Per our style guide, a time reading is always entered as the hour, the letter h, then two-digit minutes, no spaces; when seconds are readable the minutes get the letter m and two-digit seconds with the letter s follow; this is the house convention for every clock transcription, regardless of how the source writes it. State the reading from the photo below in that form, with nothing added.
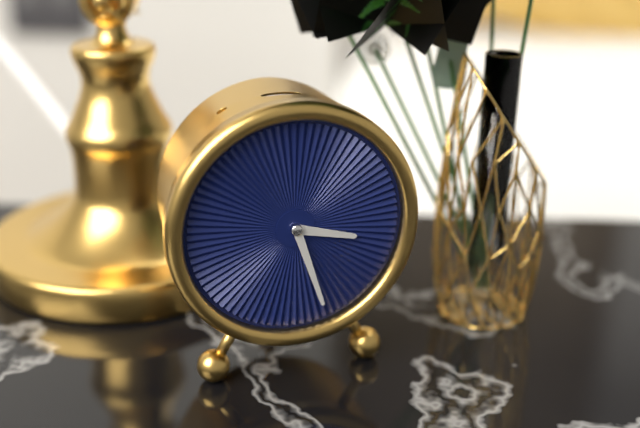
3h27
